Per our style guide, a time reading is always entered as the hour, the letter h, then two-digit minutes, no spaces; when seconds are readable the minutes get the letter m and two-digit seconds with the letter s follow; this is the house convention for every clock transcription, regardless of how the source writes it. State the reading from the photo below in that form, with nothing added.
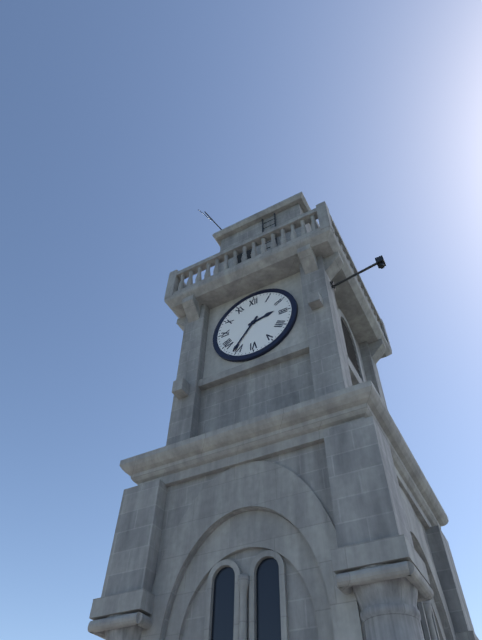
2h36
